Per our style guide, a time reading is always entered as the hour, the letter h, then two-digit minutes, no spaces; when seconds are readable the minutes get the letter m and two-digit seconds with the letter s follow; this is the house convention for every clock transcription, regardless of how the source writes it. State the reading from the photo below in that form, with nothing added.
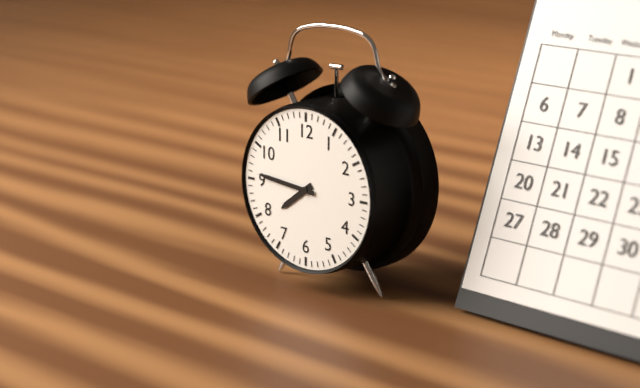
7h46
